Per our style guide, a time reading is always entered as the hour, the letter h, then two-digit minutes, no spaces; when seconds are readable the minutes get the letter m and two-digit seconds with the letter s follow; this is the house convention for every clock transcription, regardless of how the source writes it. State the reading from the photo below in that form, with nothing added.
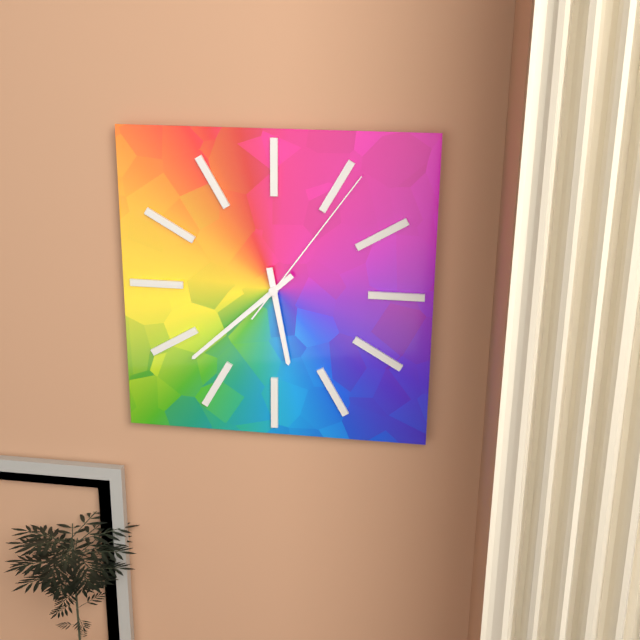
5h38m06s
